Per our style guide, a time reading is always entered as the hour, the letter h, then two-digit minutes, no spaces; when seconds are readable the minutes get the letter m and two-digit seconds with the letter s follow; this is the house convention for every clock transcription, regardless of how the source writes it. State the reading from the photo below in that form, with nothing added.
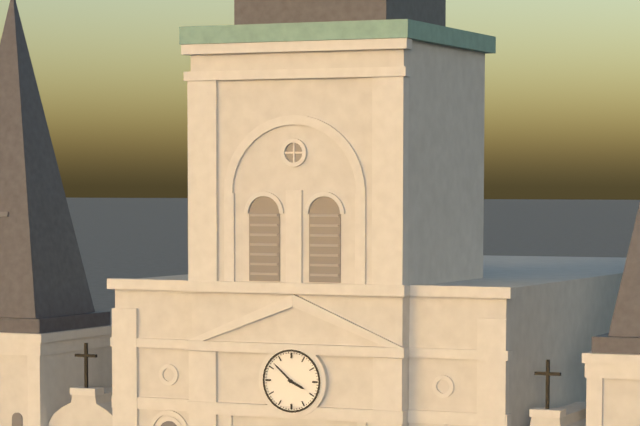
3h52
